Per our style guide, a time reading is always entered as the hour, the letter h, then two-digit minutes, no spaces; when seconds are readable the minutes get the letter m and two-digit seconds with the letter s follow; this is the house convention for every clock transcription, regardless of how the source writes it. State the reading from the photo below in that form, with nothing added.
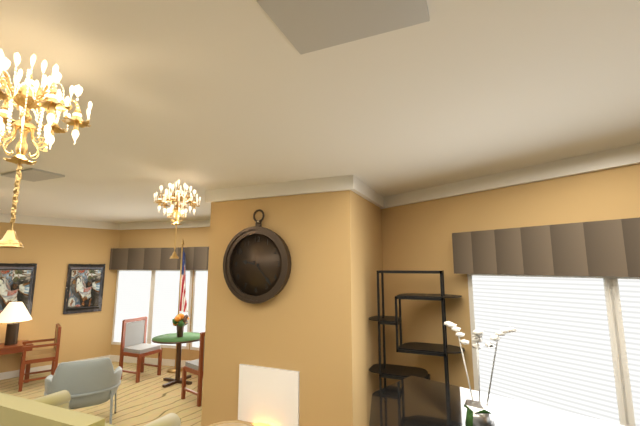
9h23
